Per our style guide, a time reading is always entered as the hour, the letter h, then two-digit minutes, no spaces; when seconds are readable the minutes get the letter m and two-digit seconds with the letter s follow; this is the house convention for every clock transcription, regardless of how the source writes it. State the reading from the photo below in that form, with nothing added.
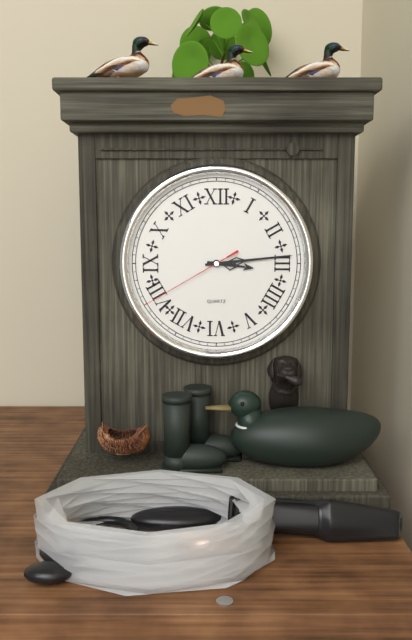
3h14m40s
